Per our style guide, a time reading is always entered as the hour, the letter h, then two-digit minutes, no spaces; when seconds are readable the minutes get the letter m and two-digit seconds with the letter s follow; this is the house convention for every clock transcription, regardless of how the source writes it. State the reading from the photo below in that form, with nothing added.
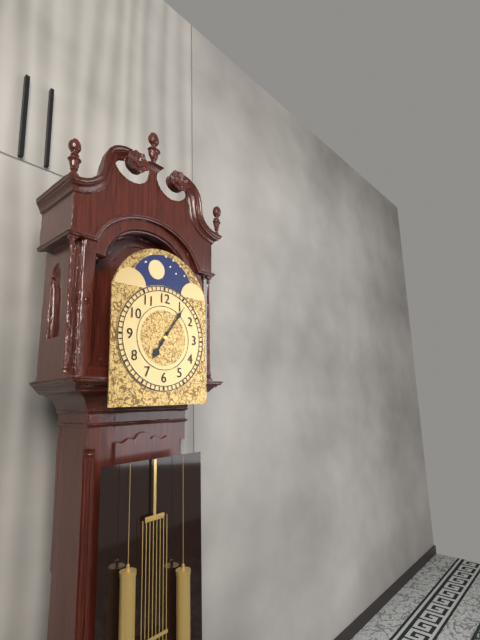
7h06
